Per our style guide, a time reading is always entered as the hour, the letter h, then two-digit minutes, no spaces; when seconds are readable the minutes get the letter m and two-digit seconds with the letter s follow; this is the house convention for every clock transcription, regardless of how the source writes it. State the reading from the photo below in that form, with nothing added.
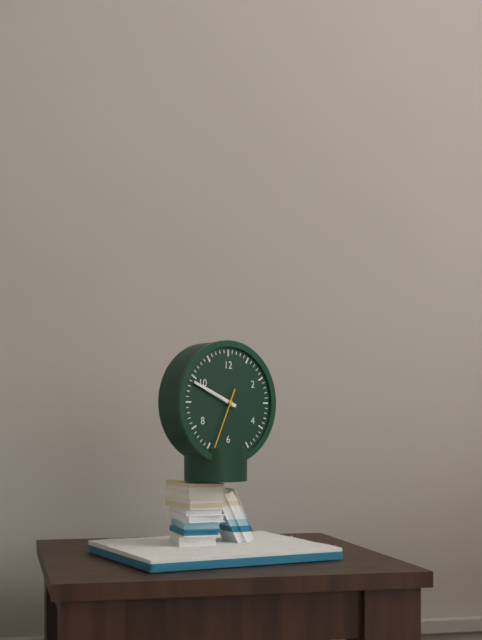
9h49m34s
